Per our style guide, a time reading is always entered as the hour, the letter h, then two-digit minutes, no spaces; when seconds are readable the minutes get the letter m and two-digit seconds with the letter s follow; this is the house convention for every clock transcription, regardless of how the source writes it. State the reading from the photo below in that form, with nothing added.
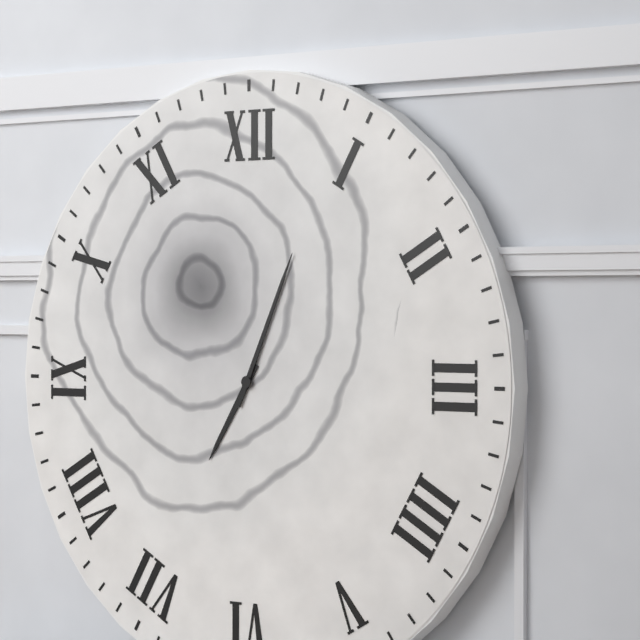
7h04
